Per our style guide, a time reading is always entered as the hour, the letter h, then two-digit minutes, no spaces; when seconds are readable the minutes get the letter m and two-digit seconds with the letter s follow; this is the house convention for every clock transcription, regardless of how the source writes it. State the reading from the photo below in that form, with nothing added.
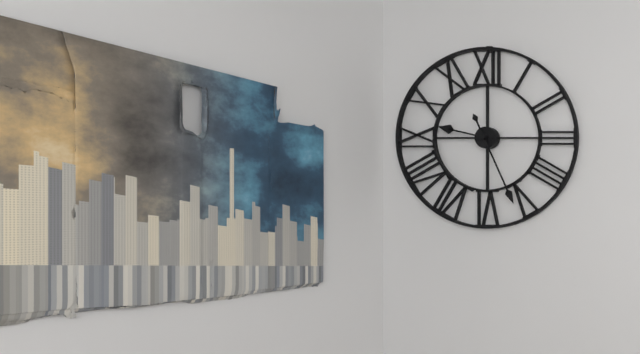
9h26
